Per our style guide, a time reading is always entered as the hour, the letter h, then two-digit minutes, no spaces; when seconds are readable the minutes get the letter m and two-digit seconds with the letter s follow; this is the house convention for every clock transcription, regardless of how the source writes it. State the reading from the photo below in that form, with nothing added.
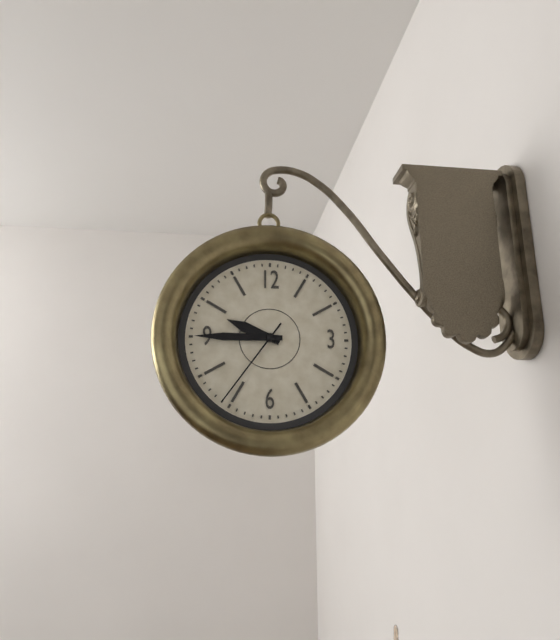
9h45m36s
